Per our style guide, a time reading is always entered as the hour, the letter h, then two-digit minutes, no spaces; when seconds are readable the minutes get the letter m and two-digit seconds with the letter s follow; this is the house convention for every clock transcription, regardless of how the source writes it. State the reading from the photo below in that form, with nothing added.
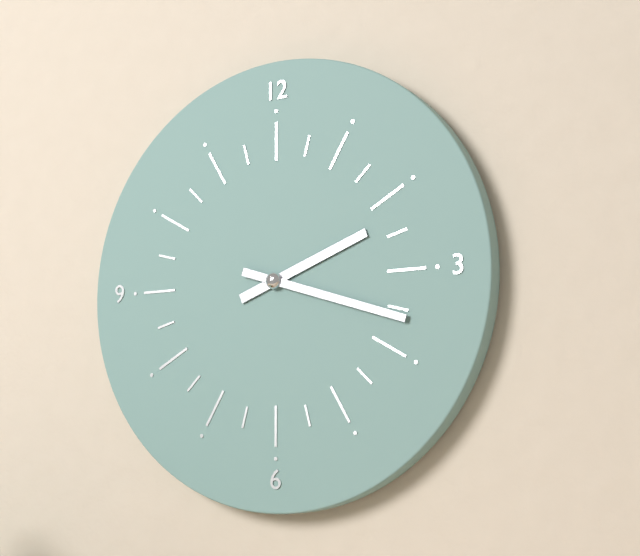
2h18
